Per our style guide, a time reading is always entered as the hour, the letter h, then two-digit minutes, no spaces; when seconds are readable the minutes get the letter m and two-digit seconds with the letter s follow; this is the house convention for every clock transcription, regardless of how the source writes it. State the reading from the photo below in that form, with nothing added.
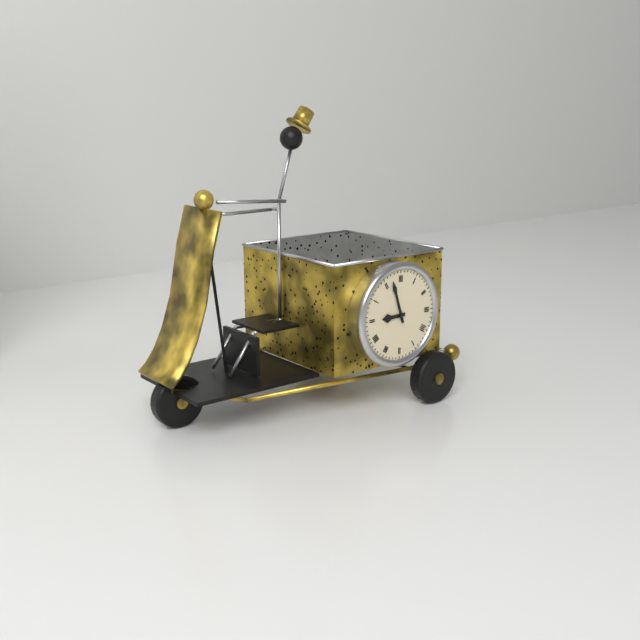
8h57
